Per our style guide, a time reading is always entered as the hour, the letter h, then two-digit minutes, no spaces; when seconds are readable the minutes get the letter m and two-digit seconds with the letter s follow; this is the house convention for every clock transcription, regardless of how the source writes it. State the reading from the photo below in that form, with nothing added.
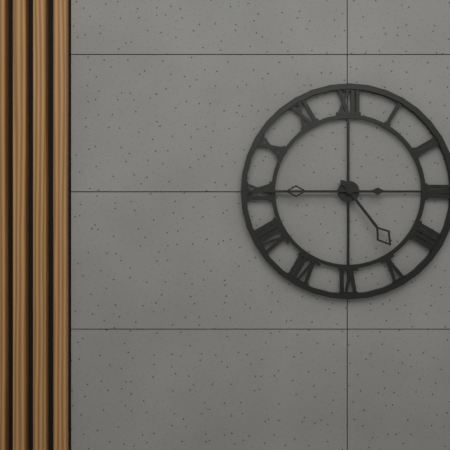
4h45
